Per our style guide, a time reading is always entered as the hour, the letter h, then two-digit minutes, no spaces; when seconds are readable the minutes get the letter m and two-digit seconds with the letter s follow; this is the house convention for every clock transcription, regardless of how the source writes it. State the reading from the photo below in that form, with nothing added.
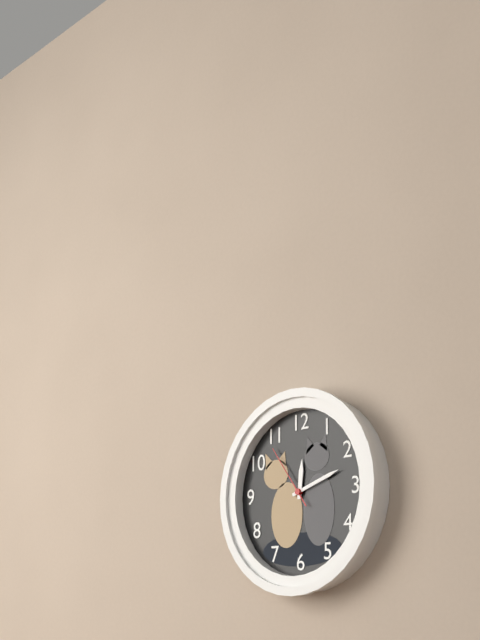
12h12m54s
